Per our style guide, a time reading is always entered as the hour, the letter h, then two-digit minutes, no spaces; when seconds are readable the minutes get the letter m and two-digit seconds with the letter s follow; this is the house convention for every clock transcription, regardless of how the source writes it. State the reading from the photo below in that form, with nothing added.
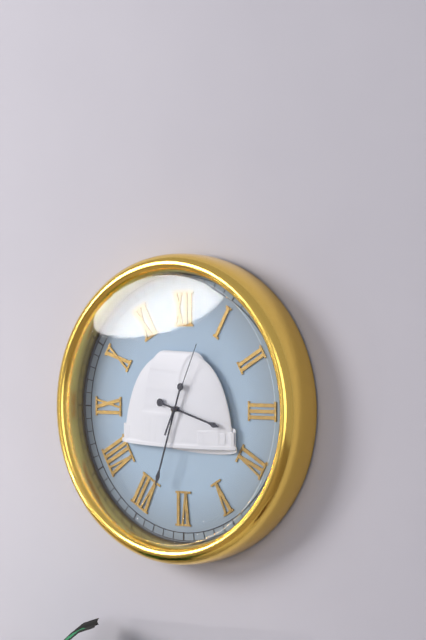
3h33m04s
